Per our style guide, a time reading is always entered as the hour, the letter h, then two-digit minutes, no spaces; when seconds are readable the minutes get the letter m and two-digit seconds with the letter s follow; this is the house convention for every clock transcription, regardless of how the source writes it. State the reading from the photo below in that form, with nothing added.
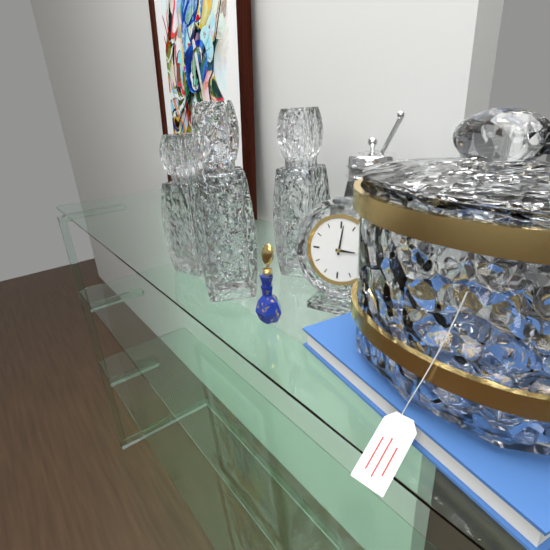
3h01
